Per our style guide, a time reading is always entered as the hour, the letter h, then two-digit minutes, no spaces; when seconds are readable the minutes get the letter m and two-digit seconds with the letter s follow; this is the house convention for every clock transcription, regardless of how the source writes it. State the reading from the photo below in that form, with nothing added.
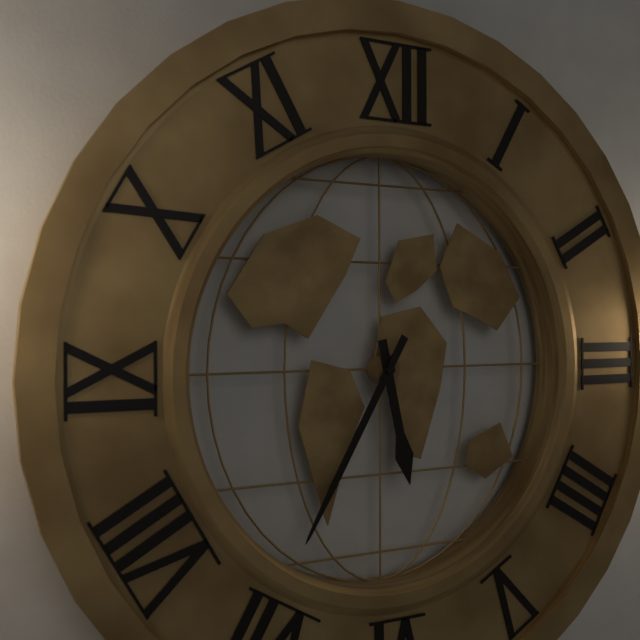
5h35
